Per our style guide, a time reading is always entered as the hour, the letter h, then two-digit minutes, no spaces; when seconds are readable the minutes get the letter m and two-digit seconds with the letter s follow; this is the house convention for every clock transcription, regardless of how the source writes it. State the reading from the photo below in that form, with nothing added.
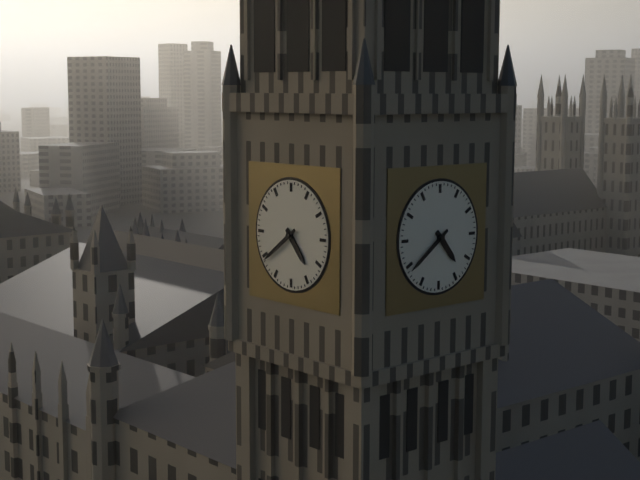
4h39
